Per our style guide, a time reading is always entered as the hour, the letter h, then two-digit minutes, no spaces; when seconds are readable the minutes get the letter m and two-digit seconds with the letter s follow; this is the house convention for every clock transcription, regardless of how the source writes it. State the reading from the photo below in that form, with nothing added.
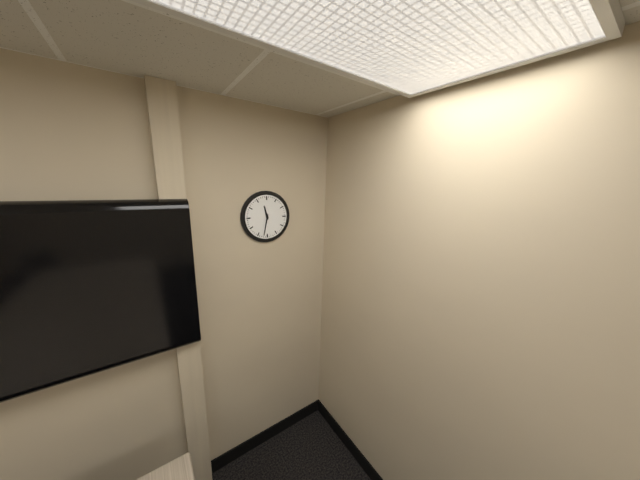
11h32
